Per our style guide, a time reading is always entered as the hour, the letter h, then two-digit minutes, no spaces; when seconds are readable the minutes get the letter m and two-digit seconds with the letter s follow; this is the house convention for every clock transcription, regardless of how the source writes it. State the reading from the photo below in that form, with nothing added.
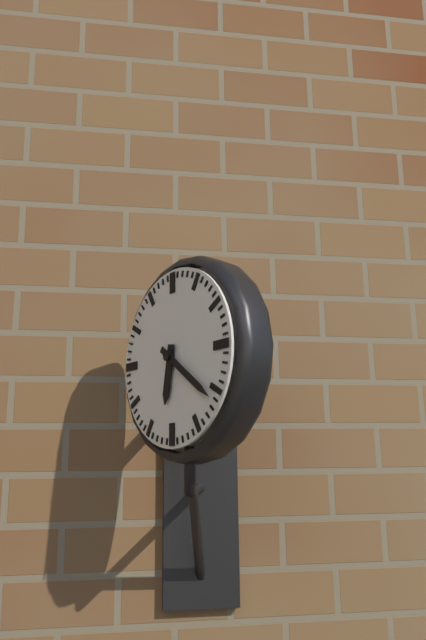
6h21
